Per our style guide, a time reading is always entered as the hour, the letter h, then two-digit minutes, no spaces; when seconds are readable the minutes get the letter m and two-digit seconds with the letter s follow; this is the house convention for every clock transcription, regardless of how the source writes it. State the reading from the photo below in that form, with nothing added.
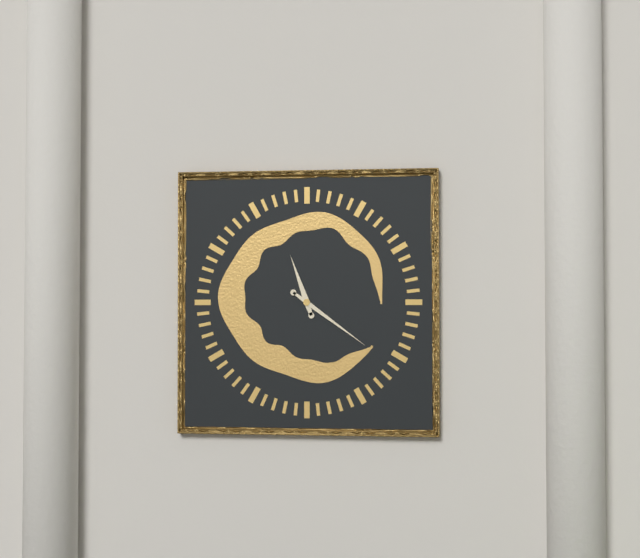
11h21
